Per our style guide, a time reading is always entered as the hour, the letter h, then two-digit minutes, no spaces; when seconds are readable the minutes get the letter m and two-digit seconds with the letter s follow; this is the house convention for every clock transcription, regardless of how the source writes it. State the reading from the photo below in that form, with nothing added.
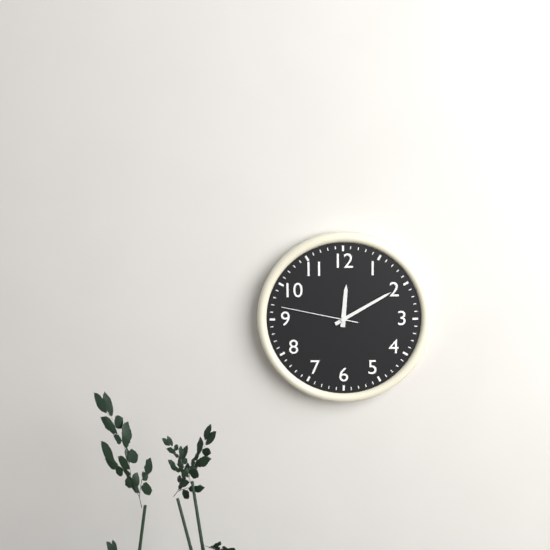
12h10m47s
